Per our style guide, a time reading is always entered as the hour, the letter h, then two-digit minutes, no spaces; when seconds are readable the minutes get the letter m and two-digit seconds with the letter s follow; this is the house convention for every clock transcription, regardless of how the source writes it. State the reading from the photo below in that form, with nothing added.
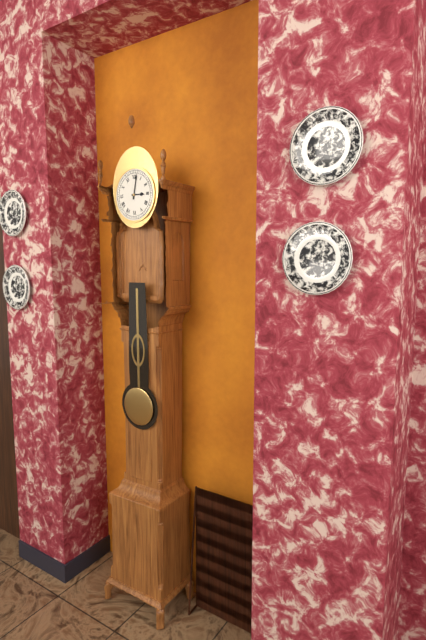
3h02
